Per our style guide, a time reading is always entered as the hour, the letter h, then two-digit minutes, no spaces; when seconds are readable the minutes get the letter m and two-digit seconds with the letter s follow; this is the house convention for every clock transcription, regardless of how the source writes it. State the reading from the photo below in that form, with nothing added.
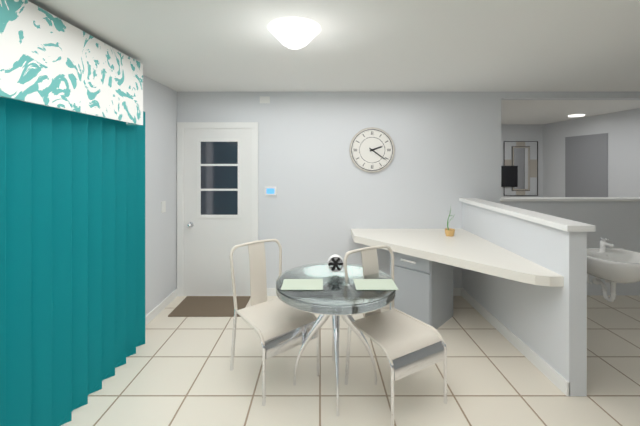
2h21
